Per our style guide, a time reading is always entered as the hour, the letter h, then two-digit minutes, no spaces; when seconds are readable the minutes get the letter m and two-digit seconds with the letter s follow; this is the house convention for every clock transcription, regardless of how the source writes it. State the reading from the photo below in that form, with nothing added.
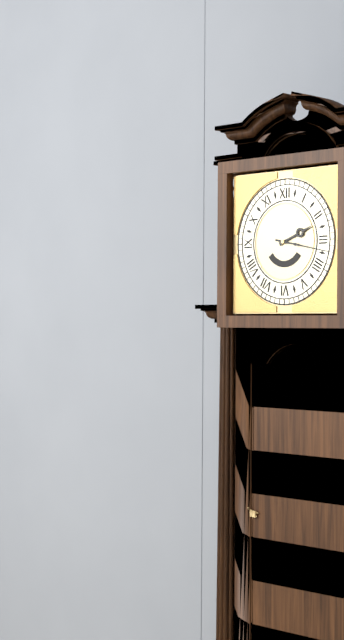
2h17
